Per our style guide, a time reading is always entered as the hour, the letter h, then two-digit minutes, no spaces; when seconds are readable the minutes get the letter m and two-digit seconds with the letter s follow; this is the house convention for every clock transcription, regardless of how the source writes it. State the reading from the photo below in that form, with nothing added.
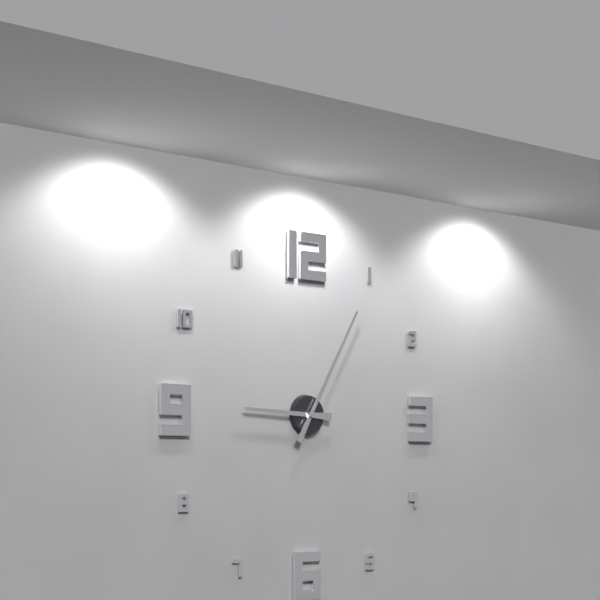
9h05
